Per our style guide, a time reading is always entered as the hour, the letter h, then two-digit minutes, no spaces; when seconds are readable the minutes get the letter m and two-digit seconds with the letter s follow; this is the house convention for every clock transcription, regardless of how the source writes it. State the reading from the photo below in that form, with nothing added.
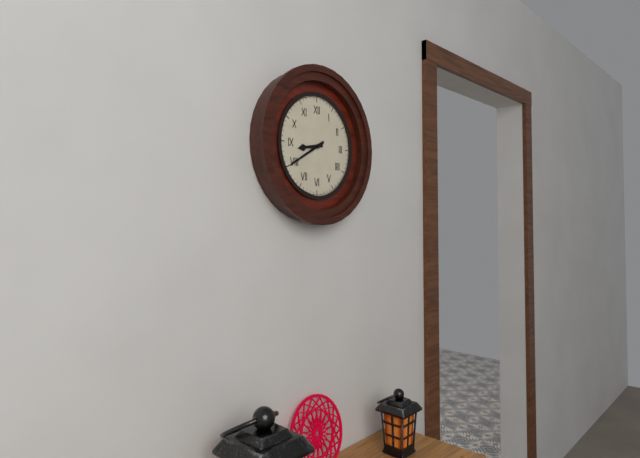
8h40
